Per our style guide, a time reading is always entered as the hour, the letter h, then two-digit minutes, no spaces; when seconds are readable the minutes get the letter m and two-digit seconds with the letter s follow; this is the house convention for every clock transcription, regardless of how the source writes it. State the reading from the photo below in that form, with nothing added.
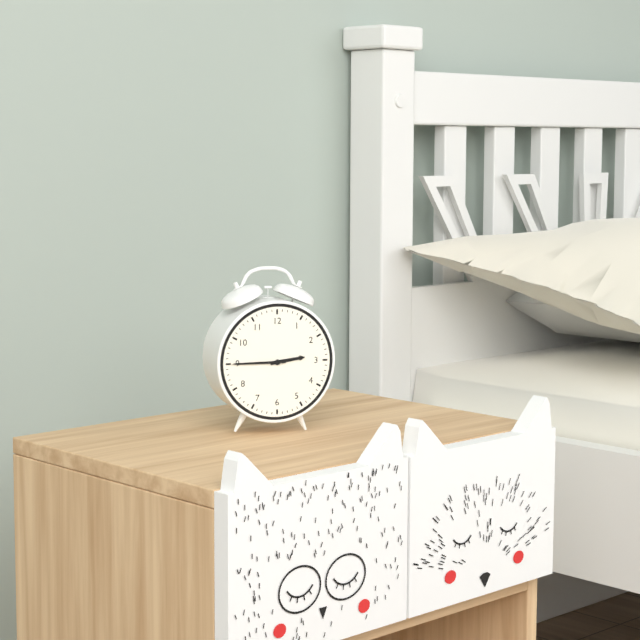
2h45
